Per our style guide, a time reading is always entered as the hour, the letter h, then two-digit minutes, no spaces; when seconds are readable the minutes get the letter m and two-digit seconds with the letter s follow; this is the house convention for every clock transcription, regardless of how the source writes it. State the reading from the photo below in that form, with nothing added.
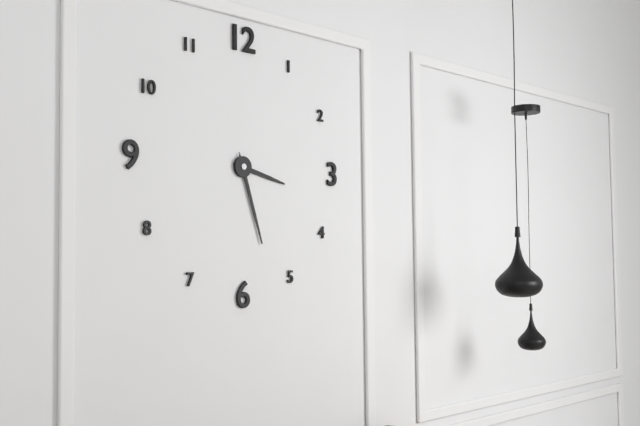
3h27
